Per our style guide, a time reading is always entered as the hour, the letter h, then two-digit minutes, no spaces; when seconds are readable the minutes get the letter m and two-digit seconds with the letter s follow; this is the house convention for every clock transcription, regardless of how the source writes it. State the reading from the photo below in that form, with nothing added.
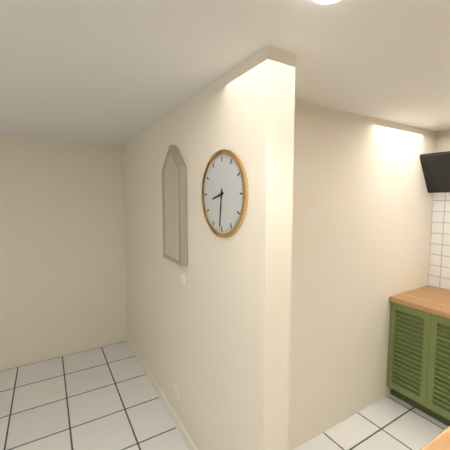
8h31
